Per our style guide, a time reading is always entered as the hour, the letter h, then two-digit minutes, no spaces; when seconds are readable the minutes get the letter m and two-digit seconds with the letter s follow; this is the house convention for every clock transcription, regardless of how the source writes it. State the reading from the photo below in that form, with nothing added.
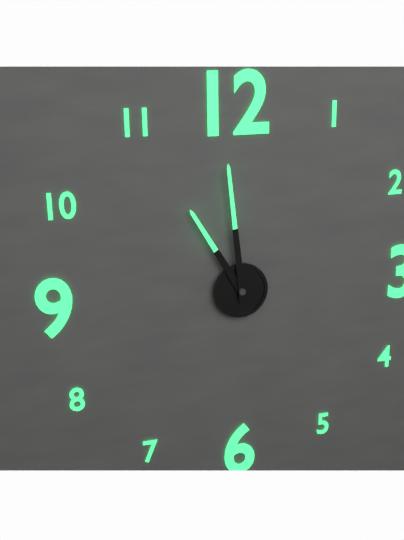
10h59
